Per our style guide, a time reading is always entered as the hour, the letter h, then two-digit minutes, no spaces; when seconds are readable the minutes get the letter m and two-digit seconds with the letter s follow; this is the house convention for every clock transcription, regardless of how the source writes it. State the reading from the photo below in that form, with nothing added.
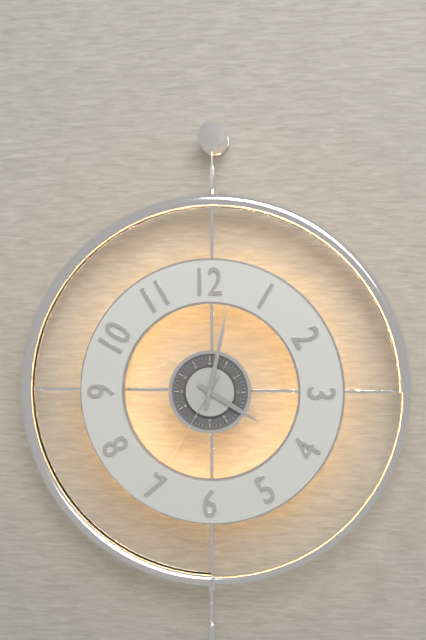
4h02m35s
